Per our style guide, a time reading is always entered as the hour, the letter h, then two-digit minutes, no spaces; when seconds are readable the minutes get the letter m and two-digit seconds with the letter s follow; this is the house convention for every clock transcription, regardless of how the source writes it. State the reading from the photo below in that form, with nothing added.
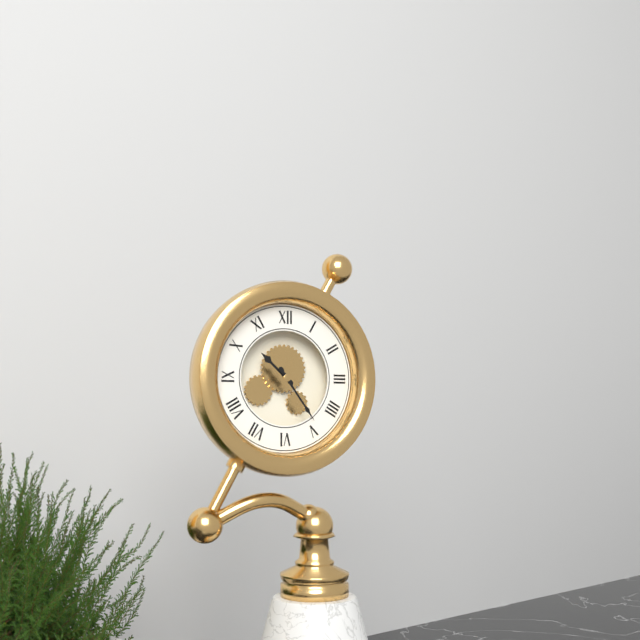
10h24
